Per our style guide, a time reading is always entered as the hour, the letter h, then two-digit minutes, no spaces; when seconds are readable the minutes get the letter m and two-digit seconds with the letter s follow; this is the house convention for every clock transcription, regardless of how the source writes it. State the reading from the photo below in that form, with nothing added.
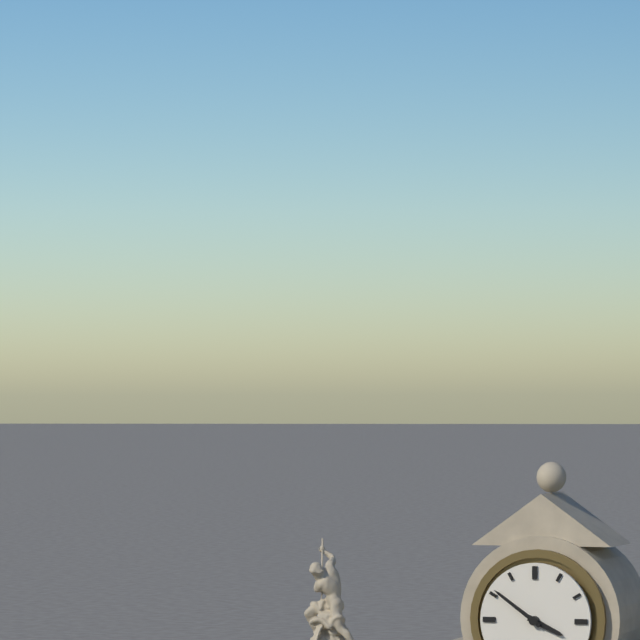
3h51
